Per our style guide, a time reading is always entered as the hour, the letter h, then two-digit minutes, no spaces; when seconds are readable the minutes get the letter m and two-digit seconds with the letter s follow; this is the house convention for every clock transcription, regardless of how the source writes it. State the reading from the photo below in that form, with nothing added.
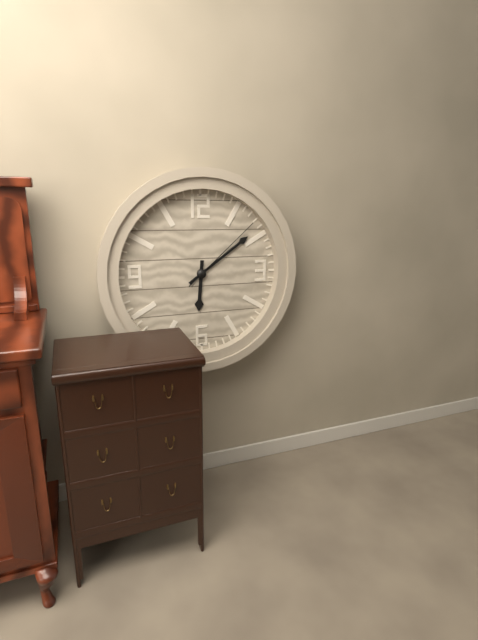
6h09m08s
